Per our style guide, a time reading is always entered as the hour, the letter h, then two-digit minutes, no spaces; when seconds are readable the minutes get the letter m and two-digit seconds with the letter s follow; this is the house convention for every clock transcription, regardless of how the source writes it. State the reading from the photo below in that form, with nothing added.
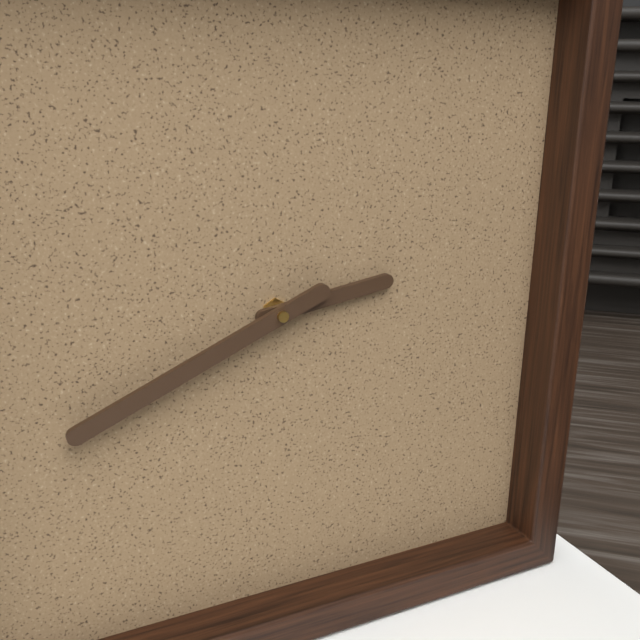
2h41
